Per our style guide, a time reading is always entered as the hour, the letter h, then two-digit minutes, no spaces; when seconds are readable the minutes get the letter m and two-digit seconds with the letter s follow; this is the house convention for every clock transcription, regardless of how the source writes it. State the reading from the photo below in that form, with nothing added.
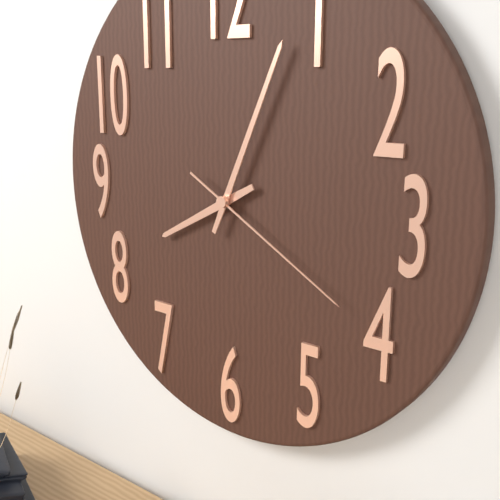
8h04m20s
